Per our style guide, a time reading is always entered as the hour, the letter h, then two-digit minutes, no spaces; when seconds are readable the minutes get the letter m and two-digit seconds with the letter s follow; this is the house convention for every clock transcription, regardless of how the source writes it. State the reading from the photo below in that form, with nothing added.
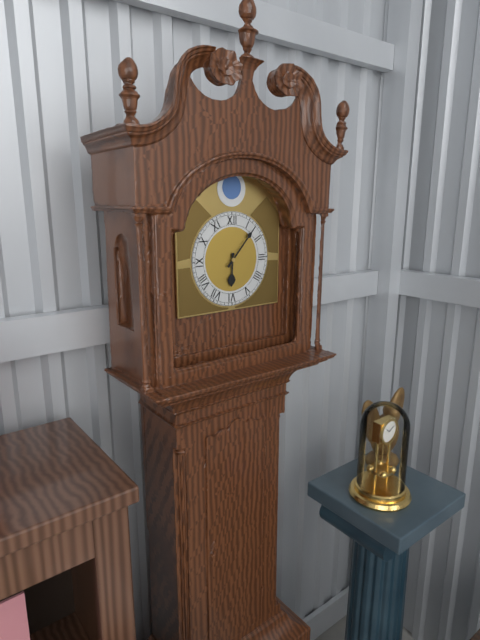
6h07
